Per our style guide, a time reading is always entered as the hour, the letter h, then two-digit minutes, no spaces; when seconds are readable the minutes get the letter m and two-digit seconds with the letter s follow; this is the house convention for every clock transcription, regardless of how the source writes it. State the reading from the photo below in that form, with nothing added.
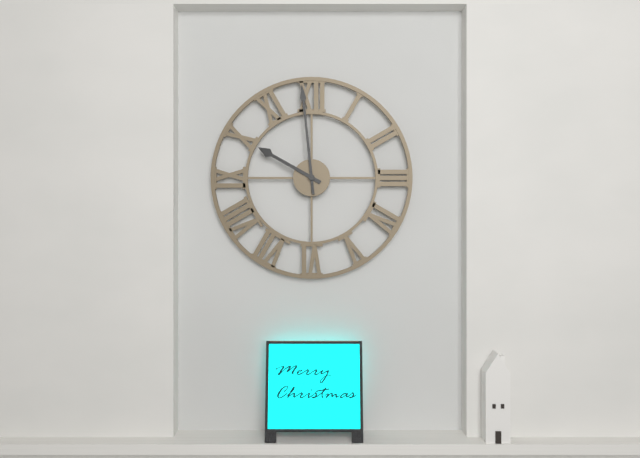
9h59
